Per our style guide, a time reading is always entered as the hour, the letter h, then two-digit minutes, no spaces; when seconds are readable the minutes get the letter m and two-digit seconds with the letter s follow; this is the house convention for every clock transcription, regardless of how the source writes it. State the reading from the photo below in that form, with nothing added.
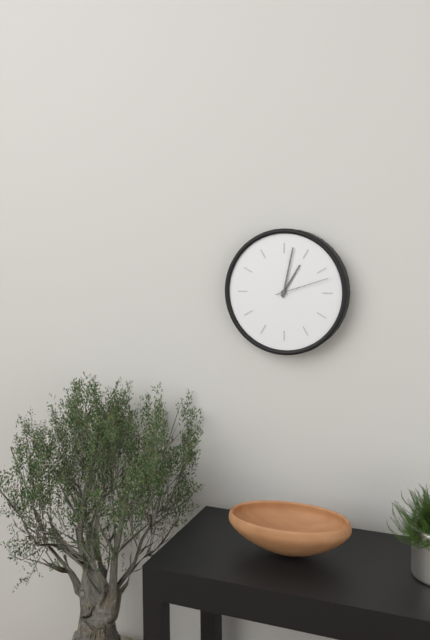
1h02m12s
